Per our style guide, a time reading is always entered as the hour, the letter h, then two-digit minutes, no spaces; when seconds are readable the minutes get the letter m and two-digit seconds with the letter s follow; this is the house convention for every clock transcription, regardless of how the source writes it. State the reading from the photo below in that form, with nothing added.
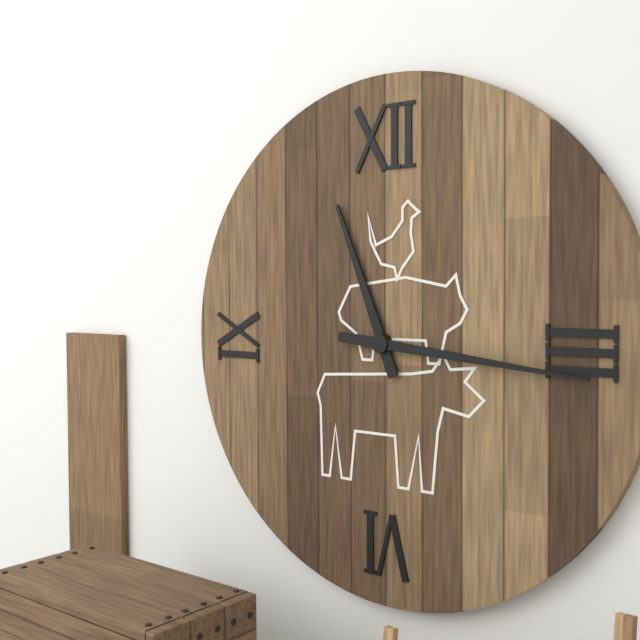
11h16
